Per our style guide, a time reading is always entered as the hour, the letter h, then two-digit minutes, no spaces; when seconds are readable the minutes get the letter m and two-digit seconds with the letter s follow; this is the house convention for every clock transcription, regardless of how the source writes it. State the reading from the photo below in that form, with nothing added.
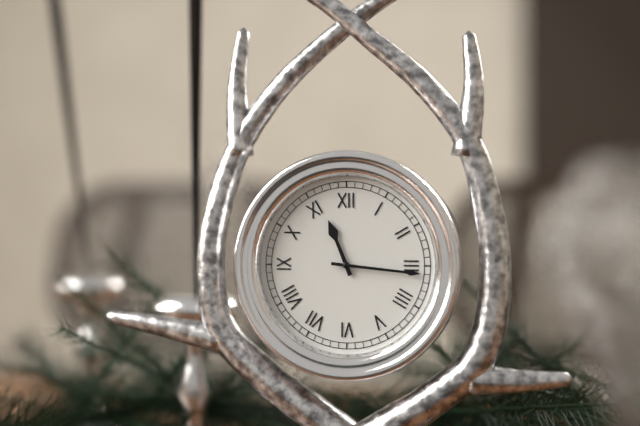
11h16
